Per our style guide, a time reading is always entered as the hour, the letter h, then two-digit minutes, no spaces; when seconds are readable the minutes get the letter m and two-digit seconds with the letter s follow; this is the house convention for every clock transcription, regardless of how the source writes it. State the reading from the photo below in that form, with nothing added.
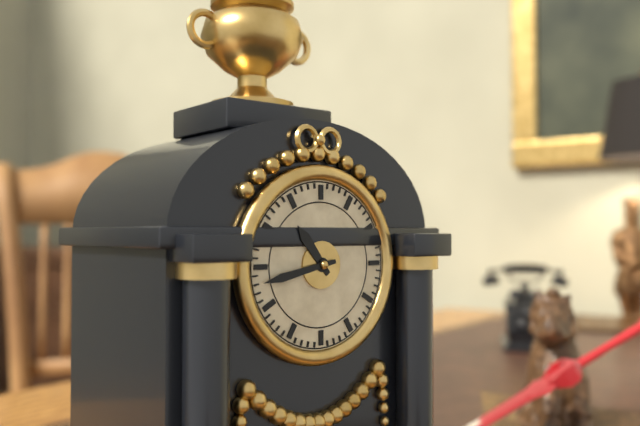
10h43
